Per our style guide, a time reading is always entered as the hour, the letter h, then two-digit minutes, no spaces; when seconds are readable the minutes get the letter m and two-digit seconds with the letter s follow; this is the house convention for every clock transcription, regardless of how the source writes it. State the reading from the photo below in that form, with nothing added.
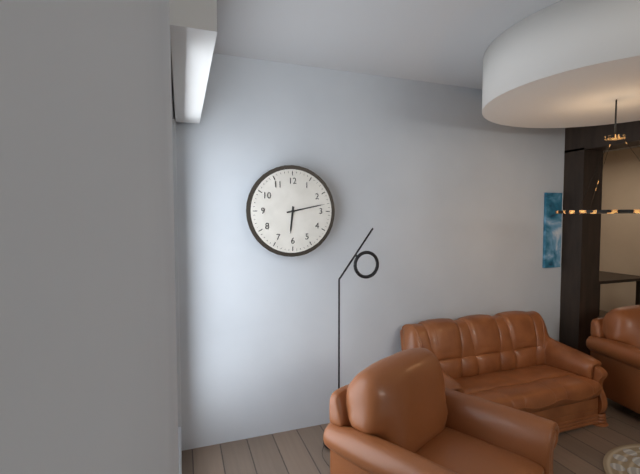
6h13
